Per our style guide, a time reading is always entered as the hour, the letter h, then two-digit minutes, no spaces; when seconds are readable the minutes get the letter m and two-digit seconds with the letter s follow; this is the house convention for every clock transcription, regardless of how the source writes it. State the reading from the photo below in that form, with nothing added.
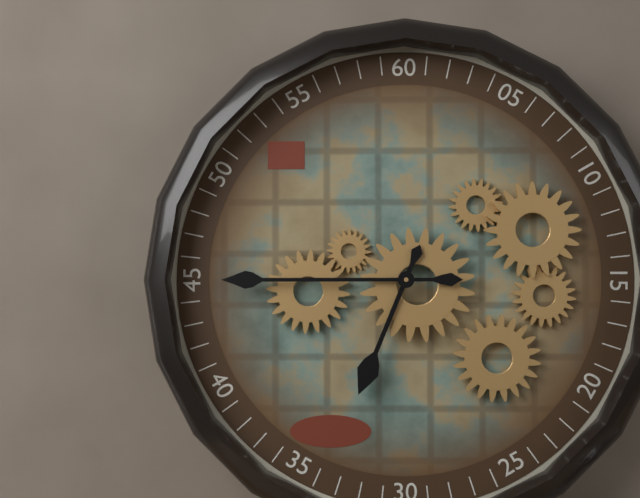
6h45
